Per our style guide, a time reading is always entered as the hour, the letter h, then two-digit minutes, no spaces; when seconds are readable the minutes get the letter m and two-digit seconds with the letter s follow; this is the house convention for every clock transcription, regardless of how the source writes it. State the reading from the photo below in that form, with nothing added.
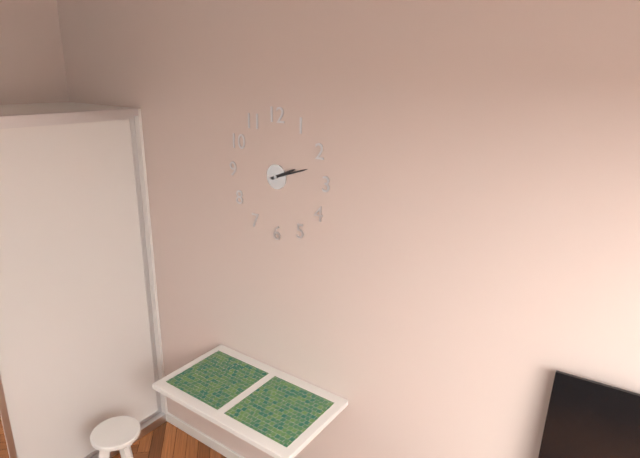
2h12
